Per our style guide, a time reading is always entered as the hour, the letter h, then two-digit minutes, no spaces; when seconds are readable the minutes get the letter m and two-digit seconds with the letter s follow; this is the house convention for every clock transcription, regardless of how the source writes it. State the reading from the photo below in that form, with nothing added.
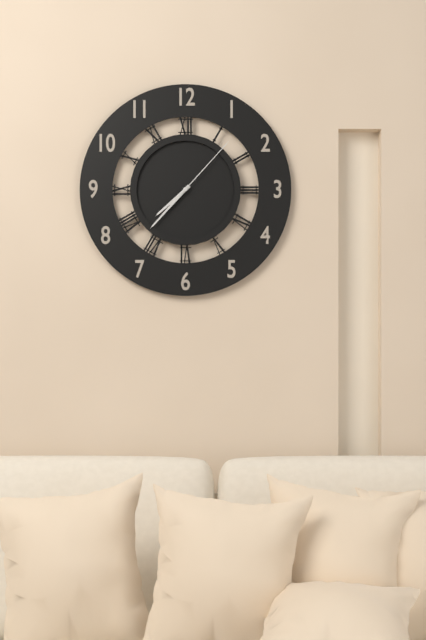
7h37m07s
